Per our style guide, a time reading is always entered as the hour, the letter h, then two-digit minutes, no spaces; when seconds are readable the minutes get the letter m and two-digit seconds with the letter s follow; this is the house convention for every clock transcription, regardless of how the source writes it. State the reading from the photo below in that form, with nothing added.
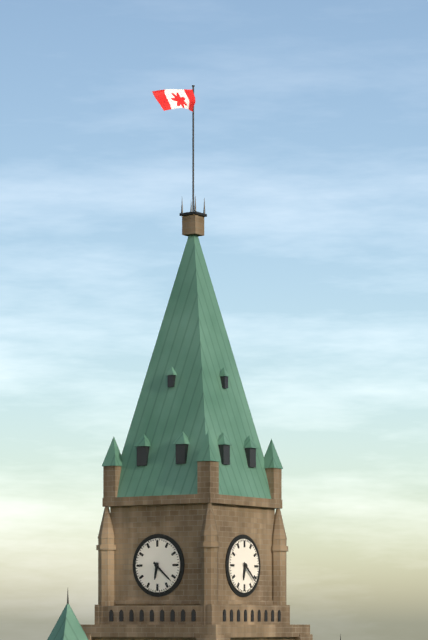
6h22
